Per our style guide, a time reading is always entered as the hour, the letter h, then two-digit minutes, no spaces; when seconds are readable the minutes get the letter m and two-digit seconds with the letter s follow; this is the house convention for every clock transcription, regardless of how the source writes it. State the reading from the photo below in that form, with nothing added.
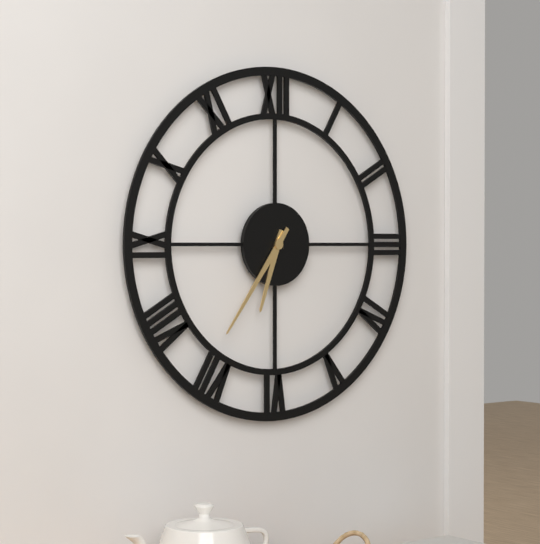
6h36
